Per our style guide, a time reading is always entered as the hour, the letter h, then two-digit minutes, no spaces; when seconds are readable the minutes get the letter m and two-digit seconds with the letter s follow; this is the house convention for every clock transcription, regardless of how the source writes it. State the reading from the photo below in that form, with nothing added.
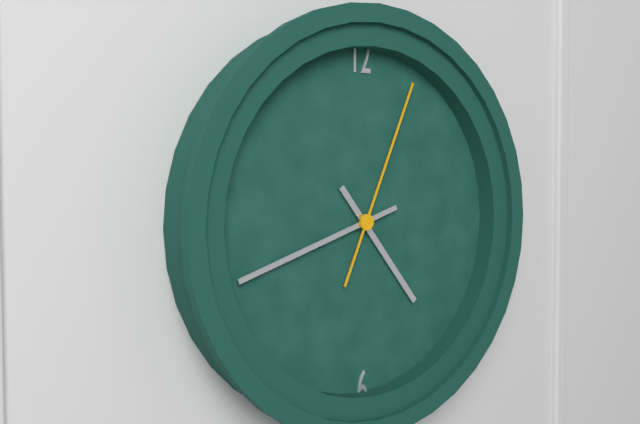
4h42m04s
